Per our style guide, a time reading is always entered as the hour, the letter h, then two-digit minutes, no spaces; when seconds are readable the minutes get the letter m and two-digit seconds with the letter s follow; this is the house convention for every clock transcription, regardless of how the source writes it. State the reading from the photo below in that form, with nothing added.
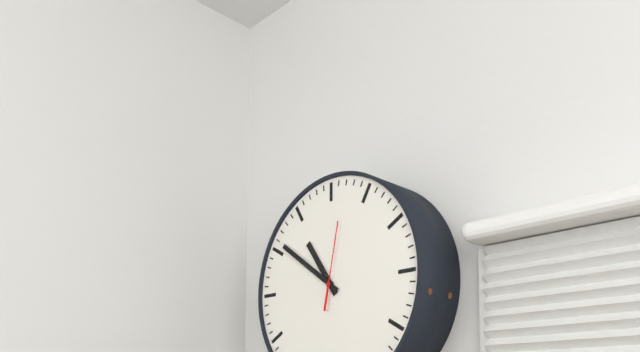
10h51m02s
